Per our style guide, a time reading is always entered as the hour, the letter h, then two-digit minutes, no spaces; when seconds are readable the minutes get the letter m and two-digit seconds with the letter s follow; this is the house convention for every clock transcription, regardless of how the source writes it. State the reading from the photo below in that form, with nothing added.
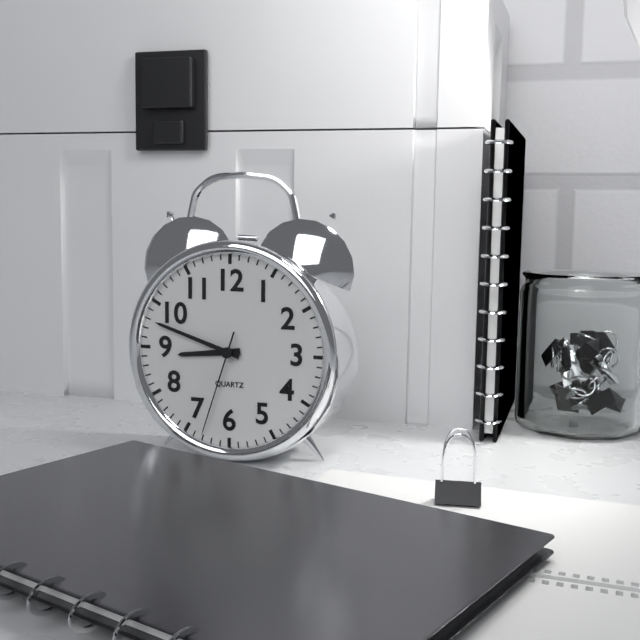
8h48m33s
